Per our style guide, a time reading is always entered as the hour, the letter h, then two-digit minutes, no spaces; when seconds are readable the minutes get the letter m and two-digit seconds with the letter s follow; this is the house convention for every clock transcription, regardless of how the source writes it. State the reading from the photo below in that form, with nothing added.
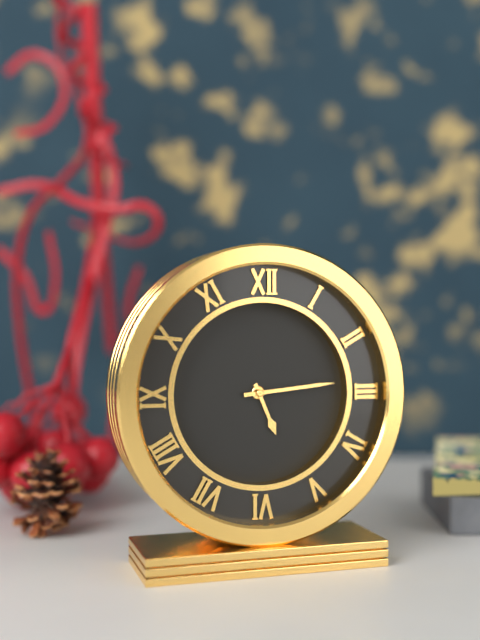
5h14
